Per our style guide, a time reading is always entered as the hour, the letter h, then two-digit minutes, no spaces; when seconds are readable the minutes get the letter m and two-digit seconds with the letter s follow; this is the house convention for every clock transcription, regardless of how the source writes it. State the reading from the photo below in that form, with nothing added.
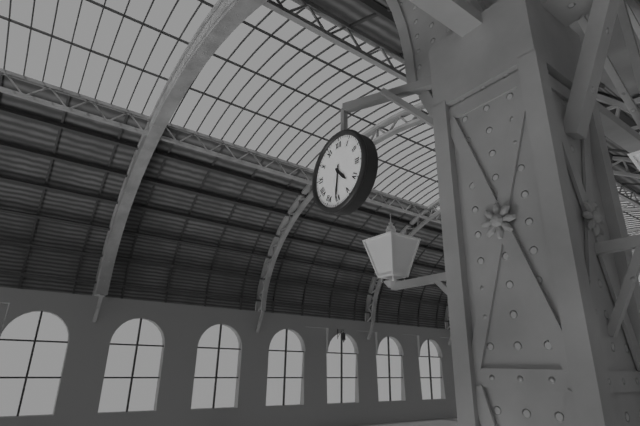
4h31
